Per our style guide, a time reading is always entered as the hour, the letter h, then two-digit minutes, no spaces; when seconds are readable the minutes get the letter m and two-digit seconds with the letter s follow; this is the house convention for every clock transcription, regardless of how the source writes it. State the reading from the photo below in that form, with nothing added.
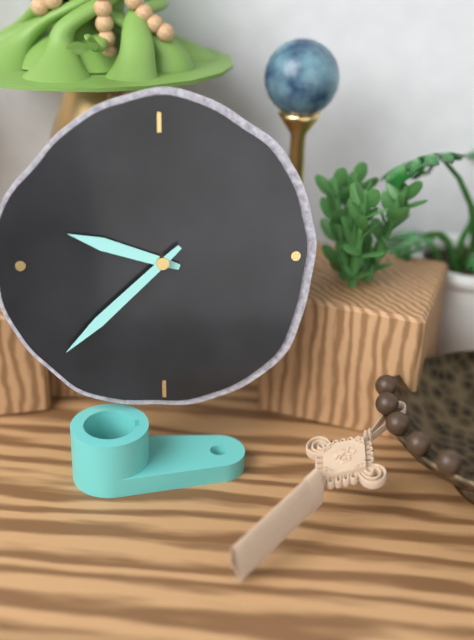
9h38
